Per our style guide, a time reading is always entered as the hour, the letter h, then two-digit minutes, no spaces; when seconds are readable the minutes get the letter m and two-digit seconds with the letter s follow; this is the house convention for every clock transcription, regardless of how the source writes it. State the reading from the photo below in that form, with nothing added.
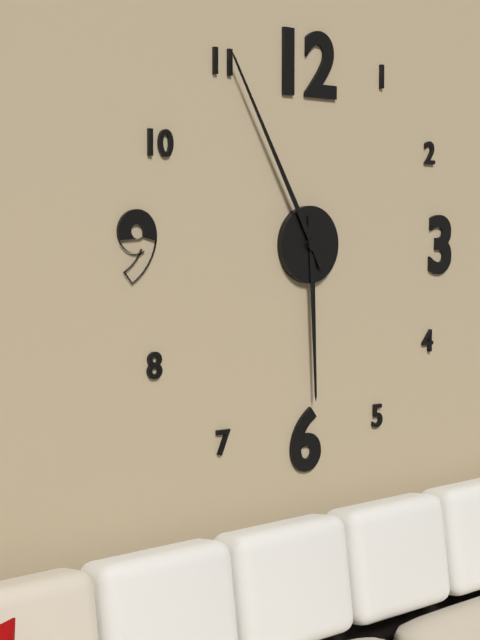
5h55
